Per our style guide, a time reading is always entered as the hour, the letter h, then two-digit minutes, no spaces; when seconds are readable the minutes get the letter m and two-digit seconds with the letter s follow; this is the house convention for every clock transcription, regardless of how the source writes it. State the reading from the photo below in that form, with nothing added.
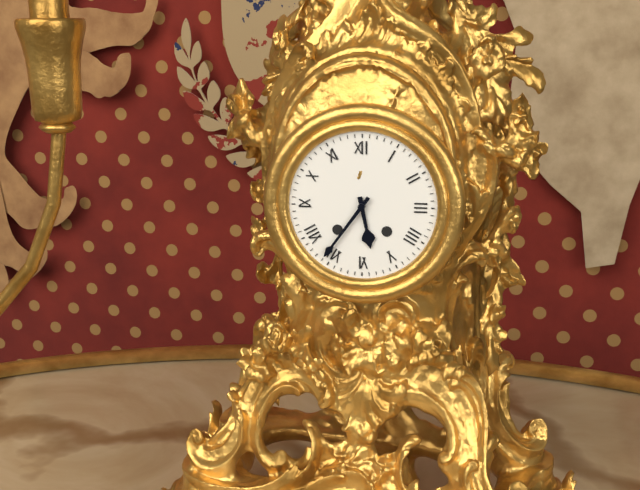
5h36
